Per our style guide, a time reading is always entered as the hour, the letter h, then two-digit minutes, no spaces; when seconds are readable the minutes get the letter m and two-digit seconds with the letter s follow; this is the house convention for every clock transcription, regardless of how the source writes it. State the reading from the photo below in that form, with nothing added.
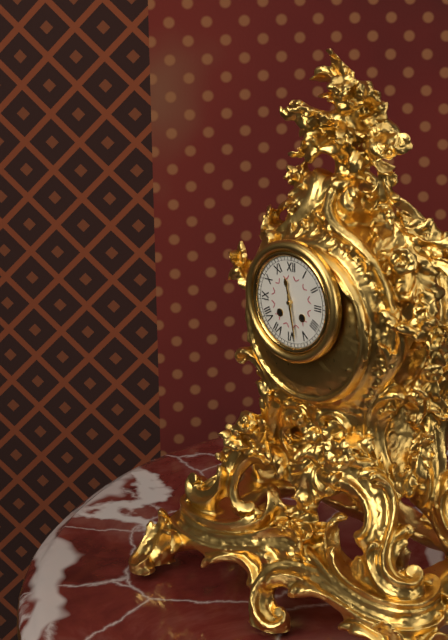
11h28
